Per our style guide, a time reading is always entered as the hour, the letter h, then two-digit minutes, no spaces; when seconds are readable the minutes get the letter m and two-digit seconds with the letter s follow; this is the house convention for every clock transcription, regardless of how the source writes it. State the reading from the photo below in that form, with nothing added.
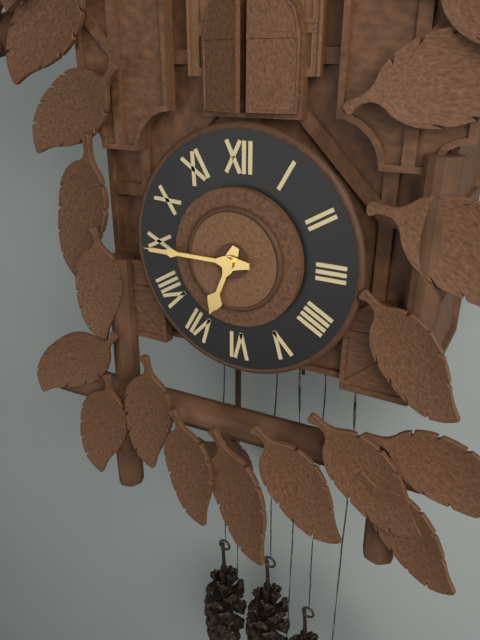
6h45
